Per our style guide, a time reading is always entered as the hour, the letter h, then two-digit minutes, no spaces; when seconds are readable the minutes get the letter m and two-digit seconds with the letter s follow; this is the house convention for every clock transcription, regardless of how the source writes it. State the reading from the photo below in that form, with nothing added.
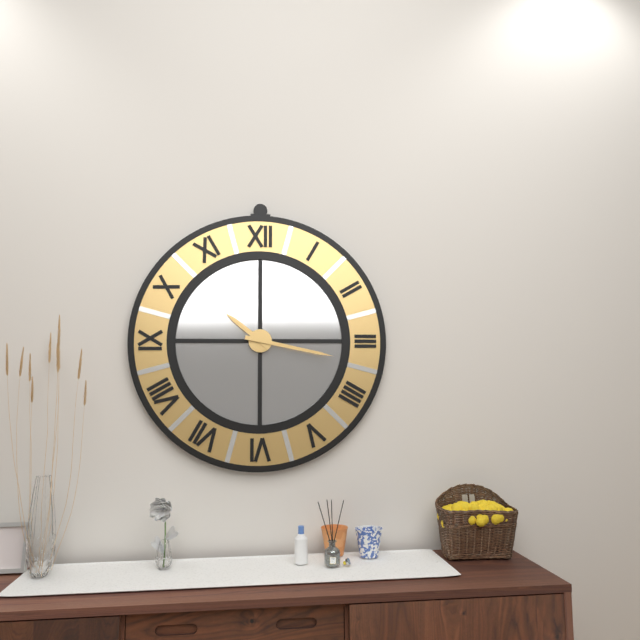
10h17
